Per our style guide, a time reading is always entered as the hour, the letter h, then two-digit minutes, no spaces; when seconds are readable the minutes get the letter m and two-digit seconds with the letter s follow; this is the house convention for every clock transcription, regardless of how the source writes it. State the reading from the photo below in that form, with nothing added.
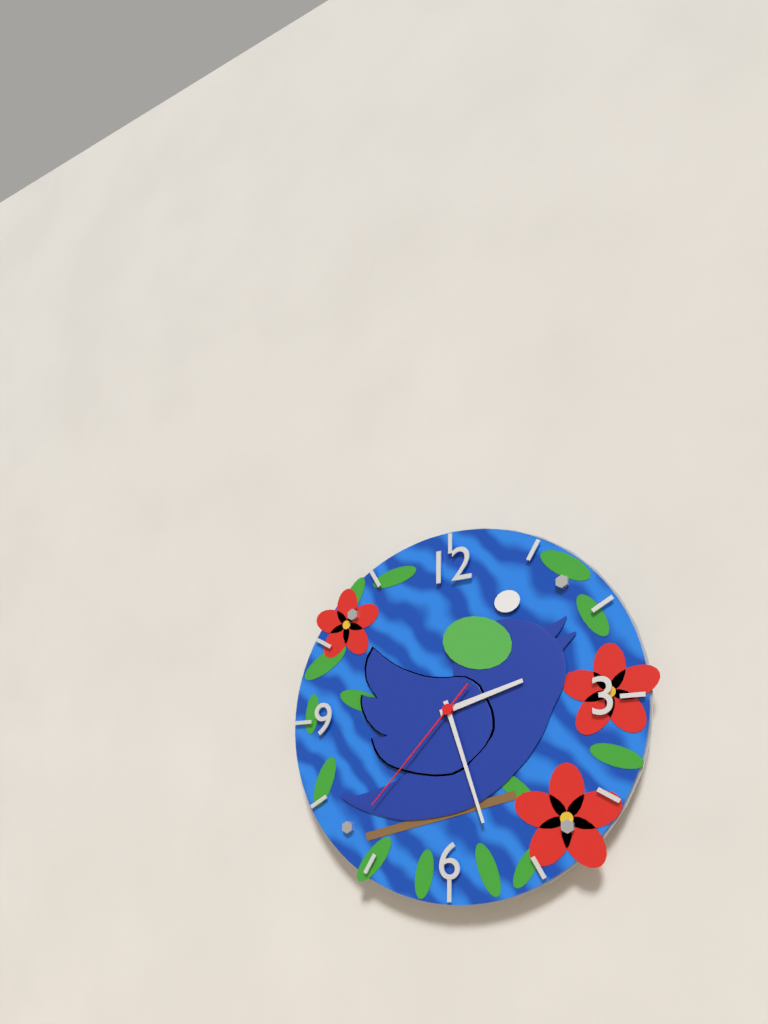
2h27m37s
